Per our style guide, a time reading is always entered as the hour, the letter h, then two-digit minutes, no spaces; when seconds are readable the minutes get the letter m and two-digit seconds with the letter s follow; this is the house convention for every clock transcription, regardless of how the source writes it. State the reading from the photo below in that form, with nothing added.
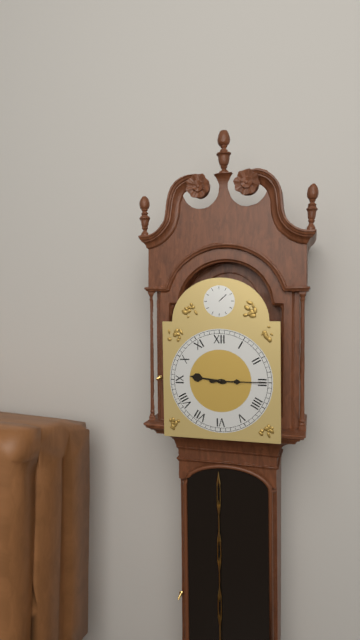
9h15
